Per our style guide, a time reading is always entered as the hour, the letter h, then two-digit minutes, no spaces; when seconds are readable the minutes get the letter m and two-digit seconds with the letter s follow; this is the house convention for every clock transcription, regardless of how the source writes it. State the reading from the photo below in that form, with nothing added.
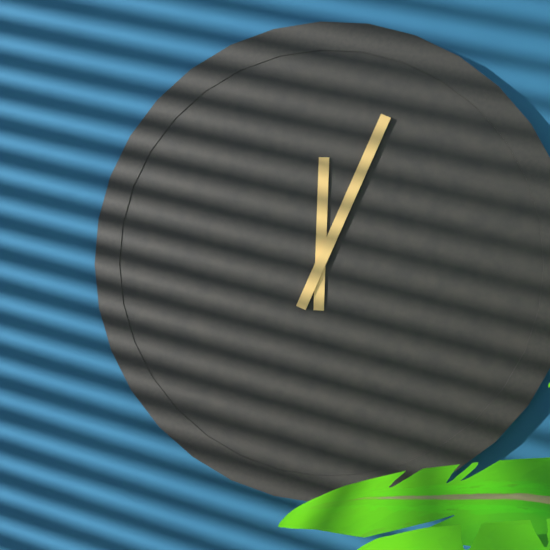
12h04
